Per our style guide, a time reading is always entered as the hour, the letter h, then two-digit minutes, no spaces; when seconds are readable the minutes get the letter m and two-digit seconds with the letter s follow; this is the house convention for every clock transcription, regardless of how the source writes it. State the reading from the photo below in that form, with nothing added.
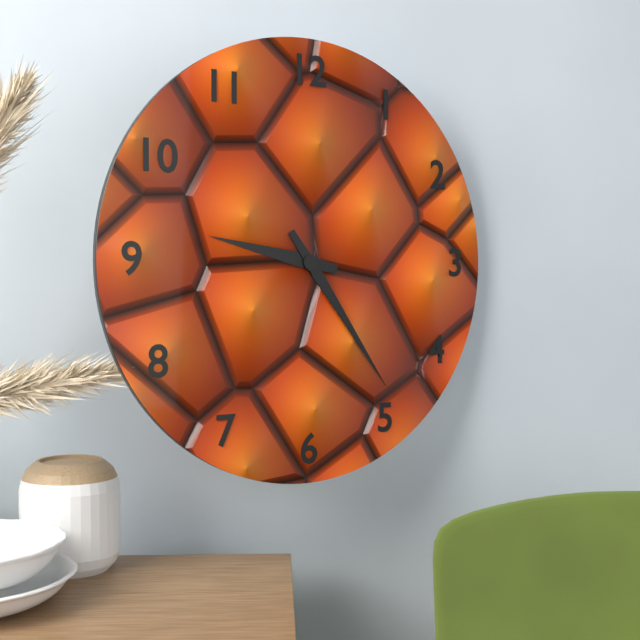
9h24
